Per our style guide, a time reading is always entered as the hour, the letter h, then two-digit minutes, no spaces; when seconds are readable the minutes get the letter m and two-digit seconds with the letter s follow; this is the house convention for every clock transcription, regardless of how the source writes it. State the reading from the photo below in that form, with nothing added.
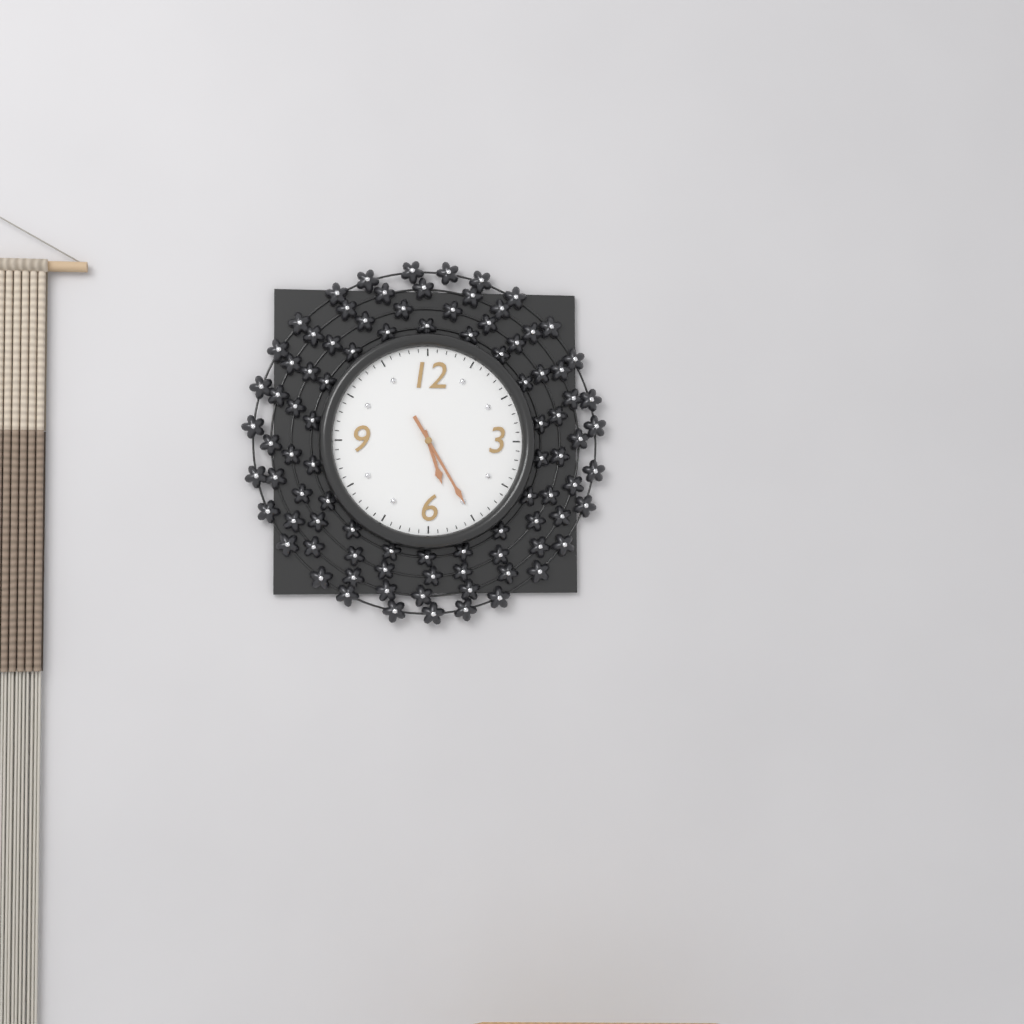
5h25
